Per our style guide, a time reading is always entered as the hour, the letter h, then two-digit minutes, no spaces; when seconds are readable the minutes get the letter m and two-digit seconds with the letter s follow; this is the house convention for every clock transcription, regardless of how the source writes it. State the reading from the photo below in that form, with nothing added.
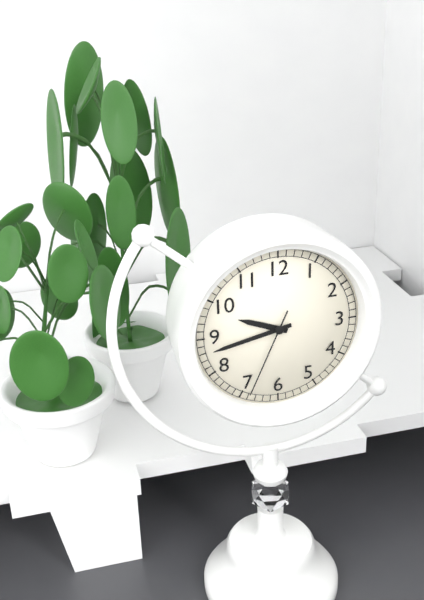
9h43m34s
